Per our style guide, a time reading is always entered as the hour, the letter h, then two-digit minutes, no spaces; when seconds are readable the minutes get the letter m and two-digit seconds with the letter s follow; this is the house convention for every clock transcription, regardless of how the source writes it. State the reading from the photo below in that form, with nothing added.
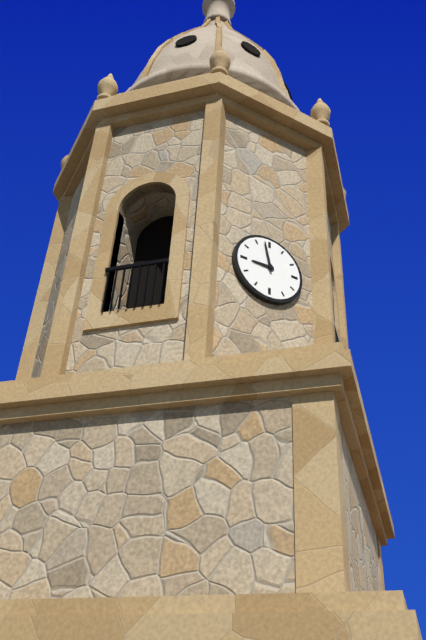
8h58
